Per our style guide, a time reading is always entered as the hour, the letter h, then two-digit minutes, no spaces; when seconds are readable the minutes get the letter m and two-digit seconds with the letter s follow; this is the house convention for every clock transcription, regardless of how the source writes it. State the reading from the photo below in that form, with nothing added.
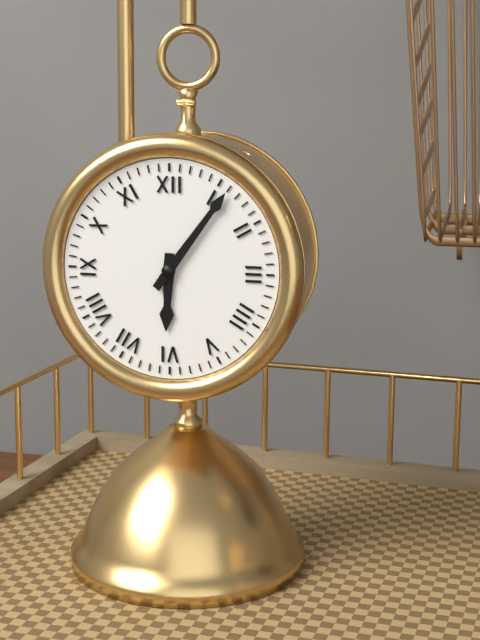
6h06
